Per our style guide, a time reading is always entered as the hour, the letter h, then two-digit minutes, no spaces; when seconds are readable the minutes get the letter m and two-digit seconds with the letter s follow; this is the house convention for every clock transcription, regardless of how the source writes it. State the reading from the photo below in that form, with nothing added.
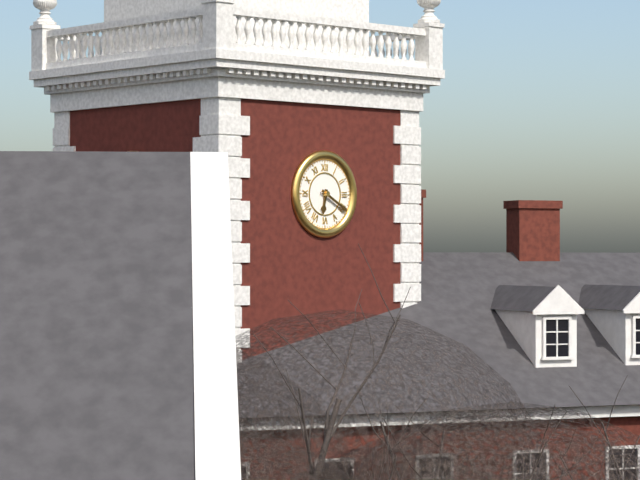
6h20
